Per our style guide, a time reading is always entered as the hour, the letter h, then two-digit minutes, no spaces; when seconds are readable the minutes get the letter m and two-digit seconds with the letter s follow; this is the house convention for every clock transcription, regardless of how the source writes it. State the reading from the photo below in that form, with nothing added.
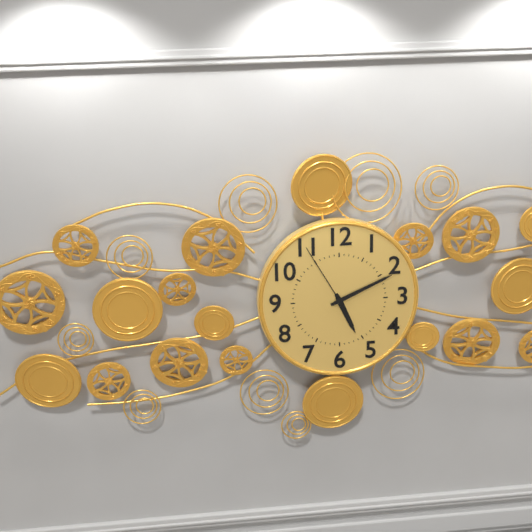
5h11m55s
